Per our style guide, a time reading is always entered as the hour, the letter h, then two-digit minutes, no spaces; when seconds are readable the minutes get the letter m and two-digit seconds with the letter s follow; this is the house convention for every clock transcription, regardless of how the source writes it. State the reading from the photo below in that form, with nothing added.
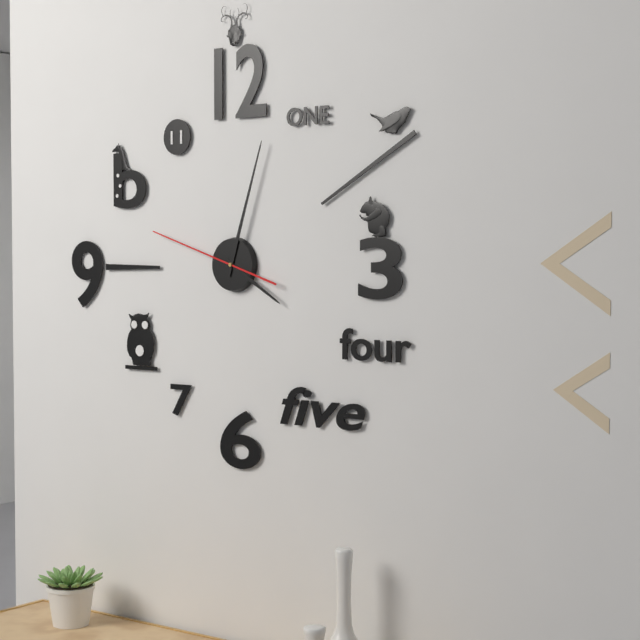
4h03m48s
